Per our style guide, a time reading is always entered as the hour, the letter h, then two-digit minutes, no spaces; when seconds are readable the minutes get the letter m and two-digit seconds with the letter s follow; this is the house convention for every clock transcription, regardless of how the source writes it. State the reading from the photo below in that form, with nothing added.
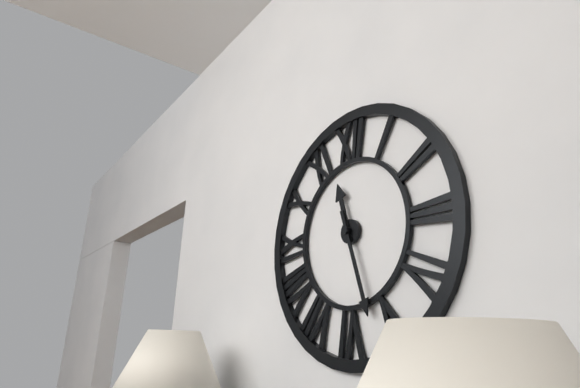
11h27
